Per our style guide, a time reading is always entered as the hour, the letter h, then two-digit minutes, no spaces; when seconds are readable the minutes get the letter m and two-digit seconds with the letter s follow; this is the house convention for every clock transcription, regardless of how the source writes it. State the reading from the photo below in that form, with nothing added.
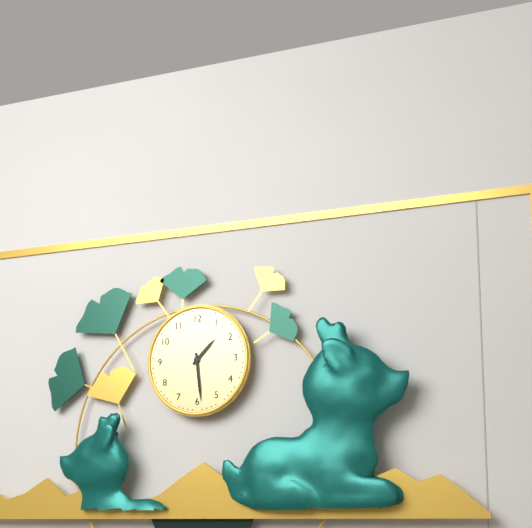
1h29
